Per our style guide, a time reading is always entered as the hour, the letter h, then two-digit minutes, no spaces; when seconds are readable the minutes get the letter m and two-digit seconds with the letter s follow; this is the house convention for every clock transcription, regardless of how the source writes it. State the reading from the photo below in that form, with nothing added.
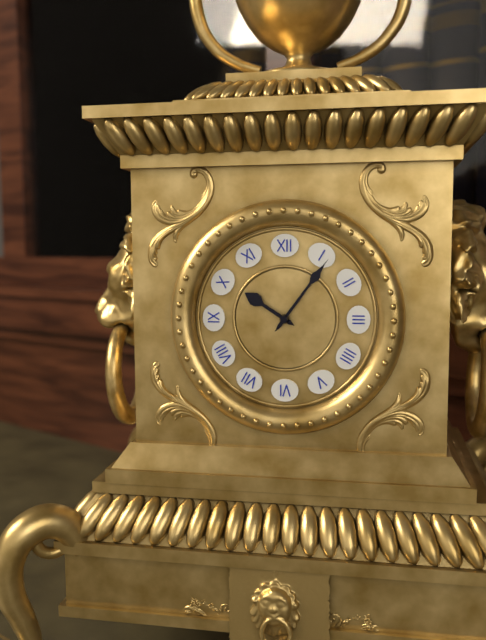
10h06
